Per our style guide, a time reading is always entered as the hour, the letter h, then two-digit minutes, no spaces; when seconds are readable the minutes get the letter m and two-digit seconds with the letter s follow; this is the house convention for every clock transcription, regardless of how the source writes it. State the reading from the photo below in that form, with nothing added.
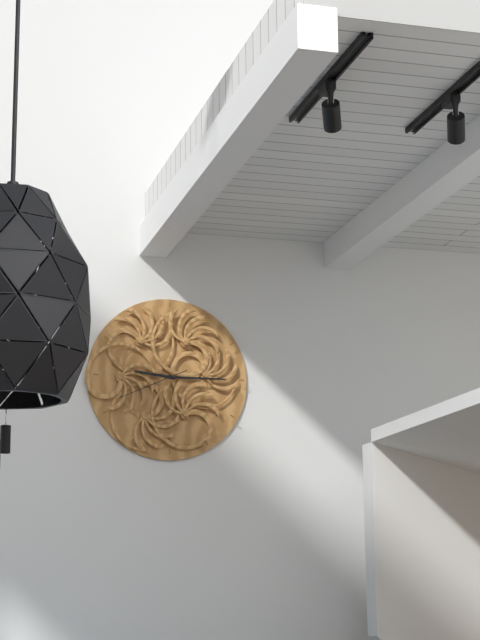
9h15m41s
